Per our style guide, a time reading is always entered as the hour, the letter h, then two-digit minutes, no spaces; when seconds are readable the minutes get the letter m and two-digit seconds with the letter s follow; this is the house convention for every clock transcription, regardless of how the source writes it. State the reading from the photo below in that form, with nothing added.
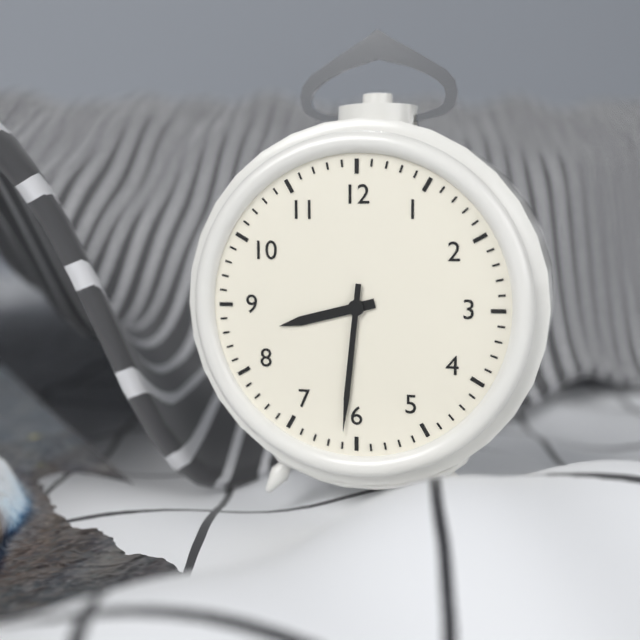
8h31
